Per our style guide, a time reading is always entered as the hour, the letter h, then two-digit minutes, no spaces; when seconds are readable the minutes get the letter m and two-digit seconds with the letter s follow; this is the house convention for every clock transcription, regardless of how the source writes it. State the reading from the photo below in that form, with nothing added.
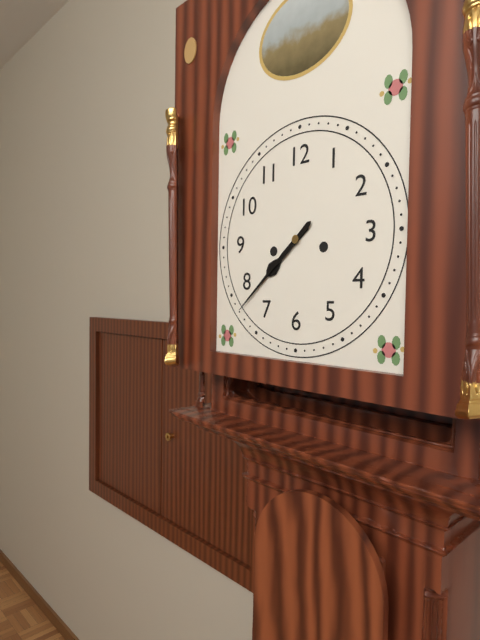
7h38
